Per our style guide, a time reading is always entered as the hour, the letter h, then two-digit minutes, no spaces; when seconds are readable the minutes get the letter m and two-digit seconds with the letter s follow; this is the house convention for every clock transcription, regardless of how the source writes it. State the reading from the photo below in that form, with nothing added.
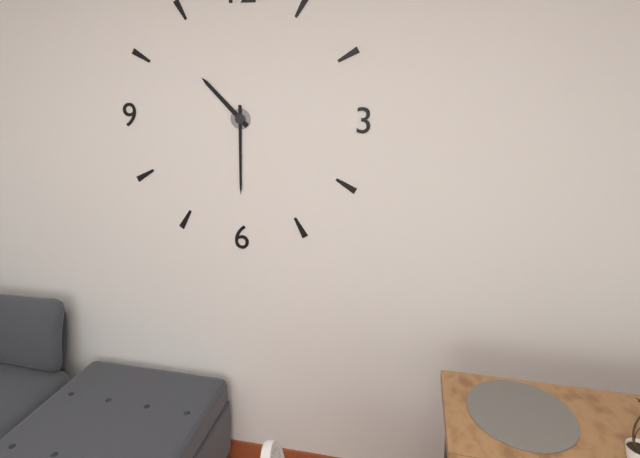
10h30
